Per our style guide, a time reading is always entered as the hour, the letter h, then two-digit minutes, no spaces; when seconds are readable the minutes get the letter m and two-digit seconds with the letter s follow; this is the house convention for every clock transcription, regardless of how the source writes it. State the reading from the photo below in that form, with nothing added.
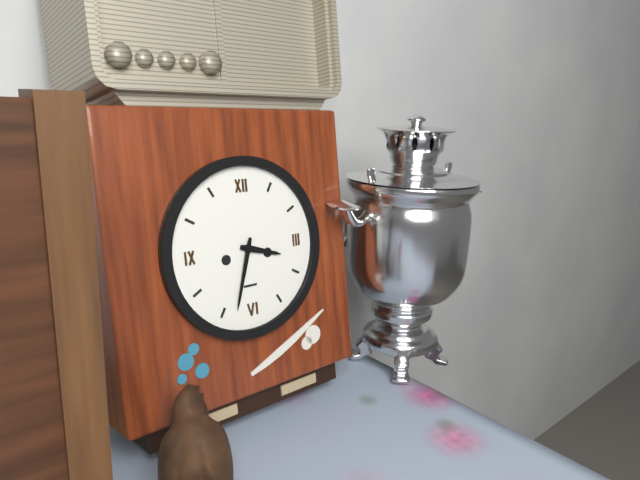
3h33
